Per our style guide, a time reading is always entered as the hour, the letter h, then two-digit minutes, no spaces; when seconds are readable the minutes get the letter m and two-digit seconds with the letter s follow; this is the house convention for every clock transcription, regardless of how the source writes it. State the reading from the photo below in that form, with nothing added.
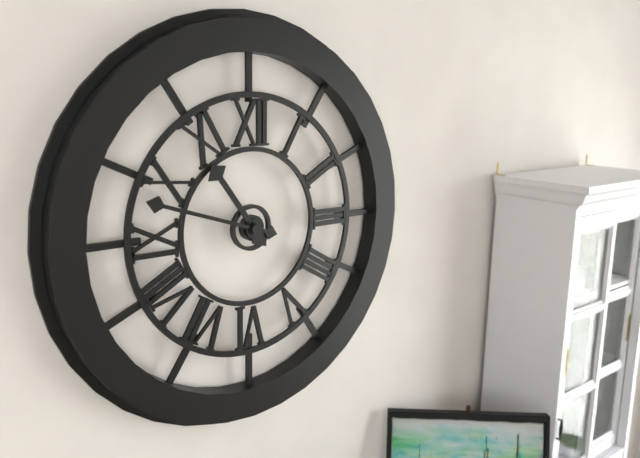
10h48
